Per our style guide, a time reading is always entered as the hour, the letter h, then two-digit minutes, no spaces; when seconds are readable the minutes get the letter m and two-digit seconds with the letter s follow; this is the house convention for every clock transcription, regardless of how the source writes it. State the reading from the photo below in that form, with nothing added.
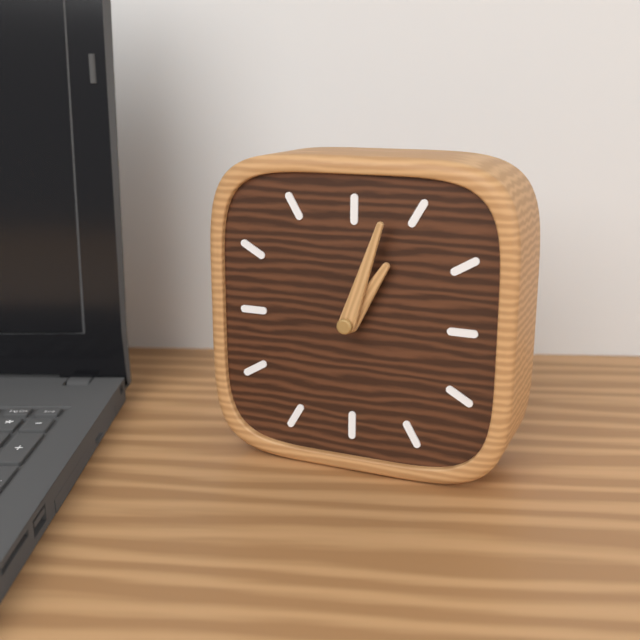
1h03
